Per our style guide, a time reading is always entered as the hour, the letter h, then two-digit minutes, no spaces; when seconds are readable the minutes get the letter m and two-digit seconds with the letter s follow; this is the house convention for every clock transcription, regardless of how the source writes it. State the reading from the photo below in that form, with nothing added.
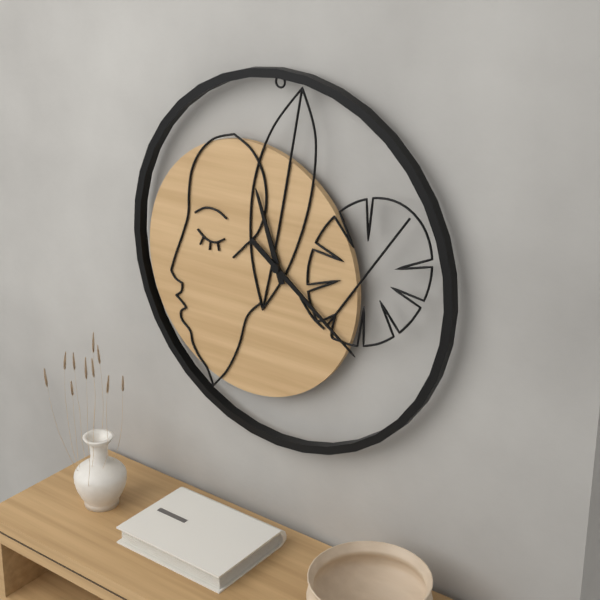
11h21
